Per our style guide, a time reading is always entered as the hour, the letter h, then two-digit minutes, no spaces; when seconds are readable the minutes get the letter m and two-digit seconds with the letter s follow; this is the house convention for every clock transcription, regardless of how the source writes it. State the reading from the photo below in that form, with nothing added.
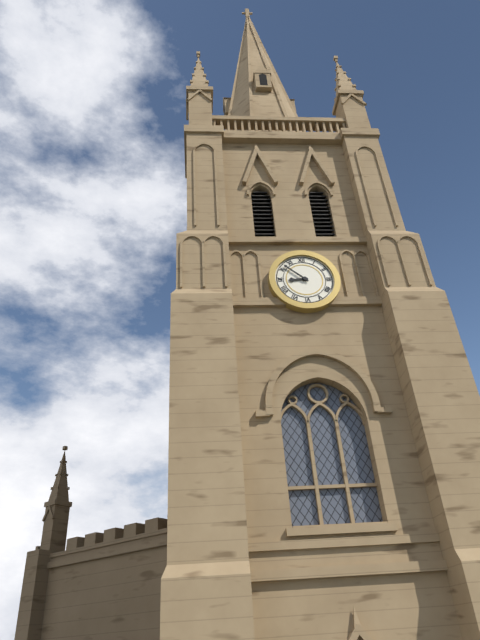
8h52
